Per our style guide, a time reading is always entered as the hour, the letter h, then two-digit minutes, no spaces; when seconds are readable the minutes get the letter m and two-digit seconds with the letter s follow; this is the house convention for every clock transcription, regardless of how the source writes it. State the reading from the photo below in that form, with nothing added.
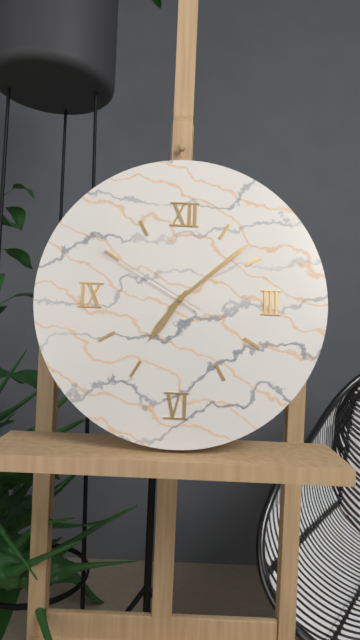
7h08m50s
